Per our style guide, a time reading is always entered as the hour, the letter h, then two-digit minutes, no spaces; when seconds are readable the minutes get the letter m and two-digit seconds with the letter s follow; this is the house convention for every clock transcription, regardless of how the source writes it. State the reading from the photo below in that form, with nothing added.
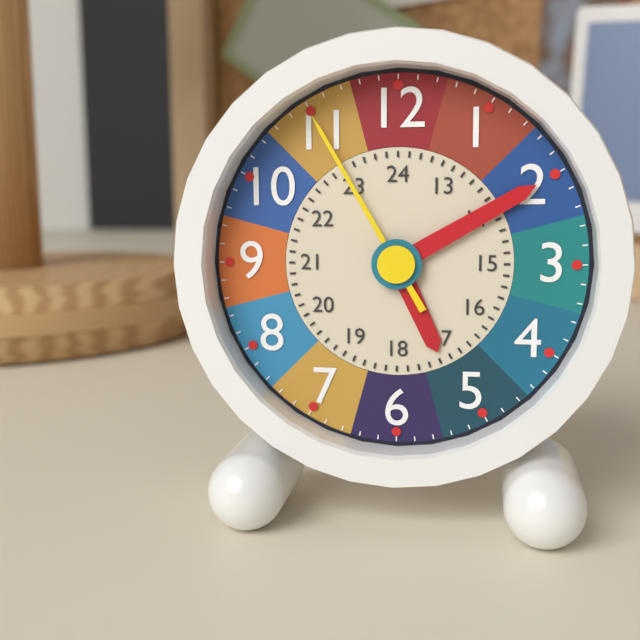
5h10m55s
